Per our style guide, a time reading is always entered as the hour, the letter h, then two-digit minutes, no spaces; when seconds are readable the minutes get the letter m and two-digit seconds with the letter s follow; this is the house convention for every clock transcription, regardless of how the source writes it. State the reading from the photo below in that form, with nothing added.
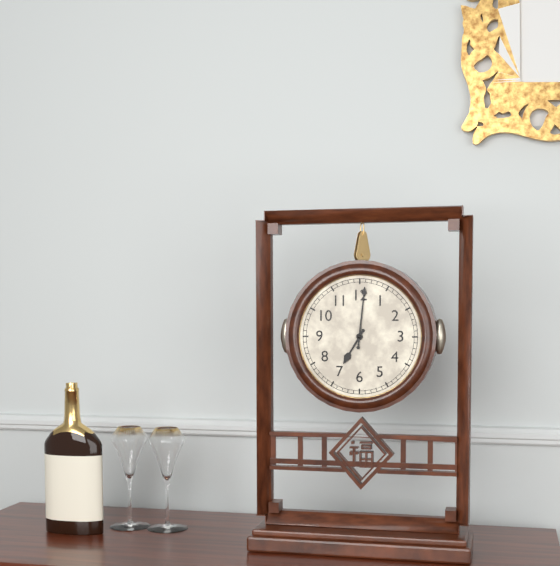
7h01
